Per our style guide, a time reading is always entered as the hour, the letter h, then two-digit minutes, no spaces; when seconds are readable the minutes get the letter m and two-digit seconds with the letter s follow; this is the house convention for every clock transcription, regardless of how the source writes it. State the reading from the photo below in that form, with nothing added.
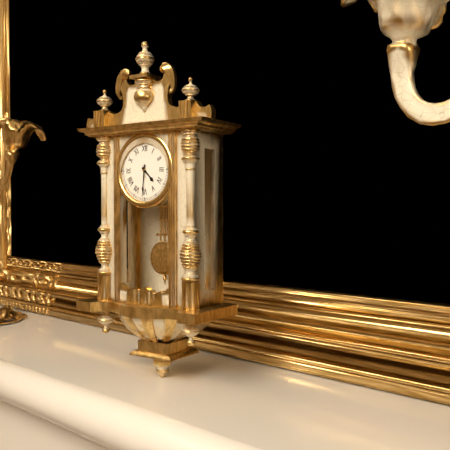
4h31
